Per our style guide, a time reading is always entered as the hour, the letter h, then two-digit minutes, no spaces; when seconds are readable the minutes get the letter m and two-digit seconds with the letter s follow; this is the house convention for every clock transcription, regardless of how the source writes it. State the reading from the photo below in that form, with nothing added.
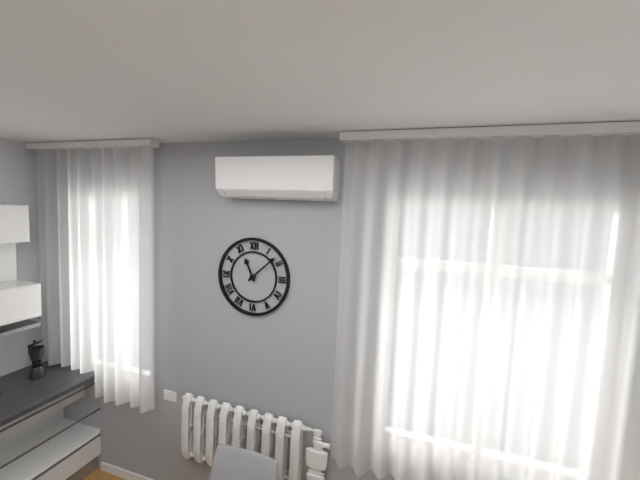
11h08
